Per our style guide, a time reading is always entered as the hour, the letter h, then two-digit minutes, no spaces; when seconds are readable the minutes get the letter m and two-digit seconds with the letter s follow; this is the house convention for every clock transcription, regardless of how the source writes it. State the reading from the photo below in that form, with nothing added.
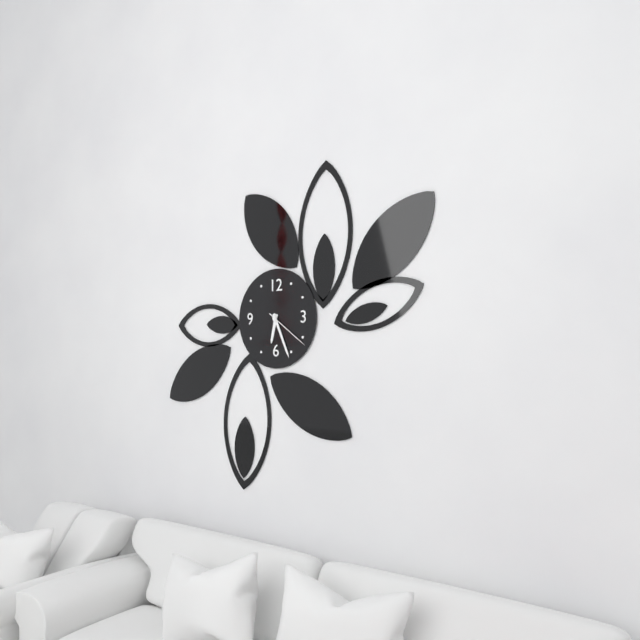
6h26m21s
